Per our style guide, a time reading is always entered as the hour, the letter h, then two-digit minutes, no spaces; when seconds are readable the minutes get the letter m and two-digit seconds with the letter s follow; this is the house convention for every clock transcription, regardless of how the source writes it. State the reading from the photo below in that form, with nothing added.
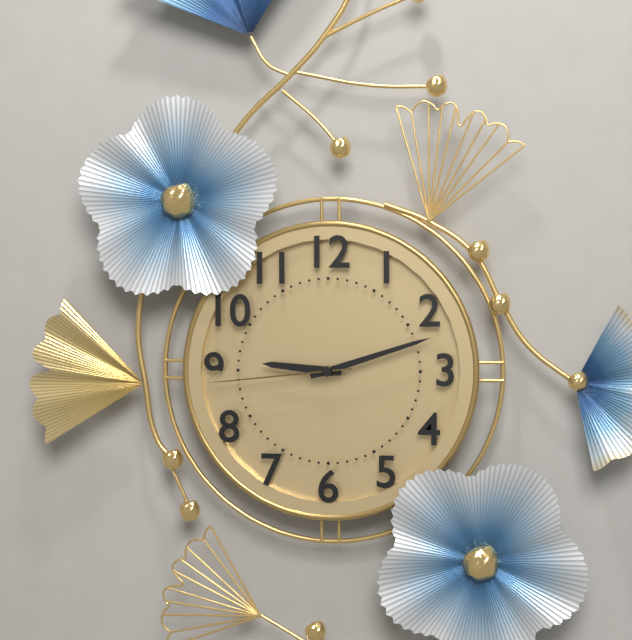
9h12m44s
